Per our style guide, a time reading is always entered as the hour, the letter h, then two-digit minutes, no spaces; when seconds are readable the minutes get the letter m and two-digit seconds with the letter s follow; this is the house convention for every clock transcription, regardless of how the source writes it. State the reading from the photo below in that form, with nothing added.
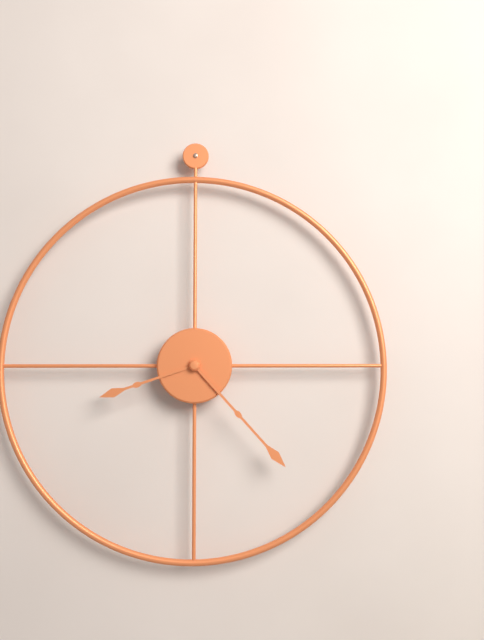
8h23
